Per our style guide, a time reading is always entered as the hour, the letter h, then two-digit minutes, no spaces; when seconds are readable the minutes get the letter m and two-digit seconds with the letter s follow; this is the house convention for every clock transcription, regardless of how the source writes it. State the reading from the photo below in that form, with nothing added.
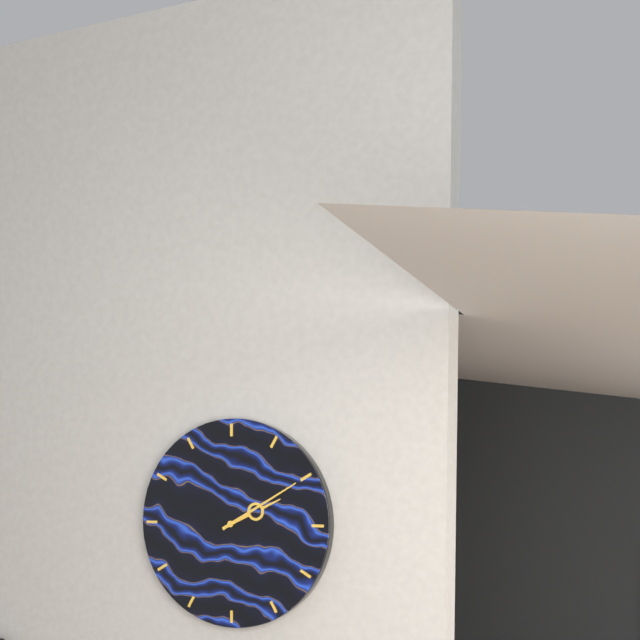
2h10
